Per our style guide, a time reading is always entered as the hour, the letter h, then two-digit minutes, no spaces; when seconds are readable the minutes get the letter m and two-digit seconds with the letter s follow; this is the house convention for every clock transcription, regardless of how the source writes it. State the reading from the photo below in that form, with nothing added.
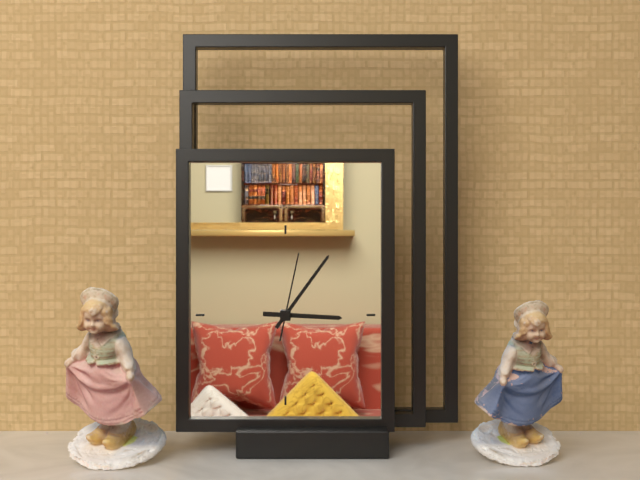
3h06m02s
